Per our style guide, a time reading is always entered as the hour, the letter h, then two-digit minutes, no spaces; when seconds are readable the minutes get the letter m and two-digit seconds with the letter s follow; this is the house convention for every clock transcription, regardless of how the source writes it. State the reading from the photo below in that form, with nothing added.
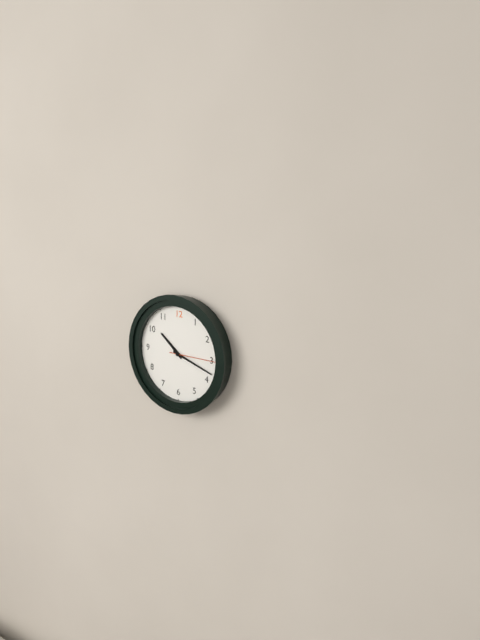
10h18
